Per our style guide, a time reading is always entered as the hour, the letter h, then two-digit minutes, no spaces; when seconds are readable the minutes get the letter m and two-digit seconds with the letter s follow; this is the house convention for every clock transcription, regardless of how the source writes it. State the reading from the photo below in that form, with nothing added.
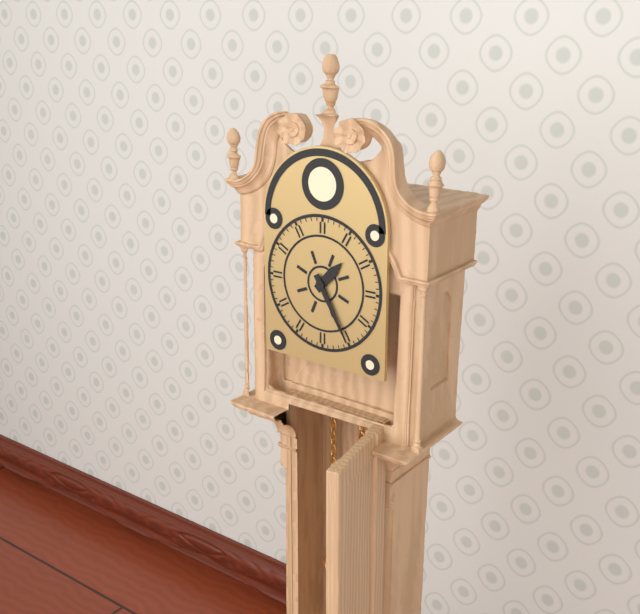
1h25
